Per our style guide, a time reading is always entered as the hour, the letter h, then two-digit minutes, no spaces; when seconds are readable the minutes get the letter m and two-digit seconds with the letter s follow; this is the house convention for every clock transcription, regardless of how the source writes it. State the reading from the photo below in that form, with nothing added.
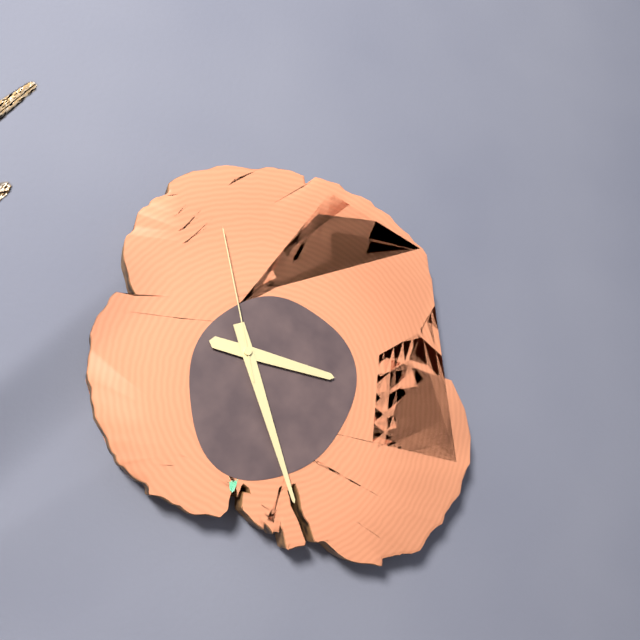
3h27m58s
